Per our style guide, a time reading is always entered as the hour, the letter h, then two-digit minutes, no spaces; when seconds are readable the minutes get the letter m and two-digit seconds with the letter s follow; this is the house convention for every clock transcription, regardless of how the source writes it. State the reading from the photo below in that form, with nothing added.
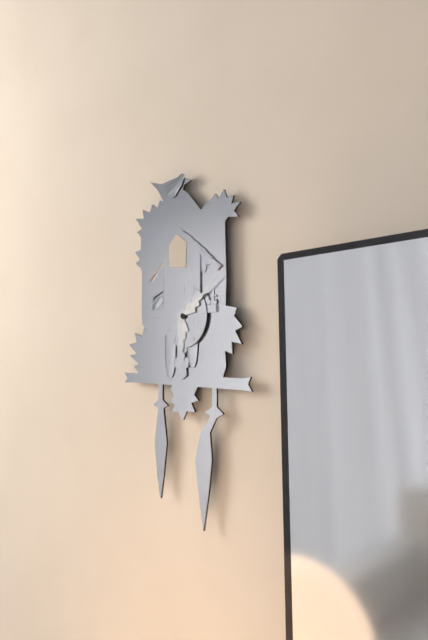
6h09
